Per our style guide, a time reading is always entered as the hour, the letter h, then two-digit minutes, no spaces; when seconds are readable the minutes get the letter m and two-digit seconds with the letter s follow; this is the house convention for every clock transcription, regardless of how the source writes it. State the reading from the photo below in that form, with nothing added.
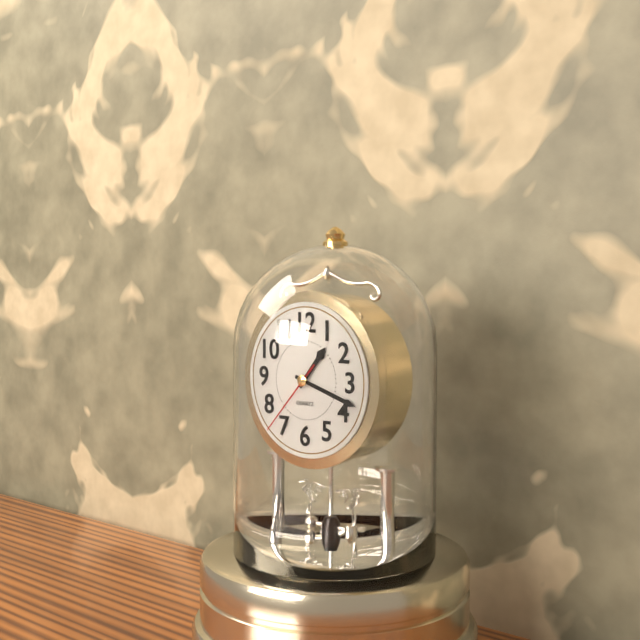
1h18m37s
